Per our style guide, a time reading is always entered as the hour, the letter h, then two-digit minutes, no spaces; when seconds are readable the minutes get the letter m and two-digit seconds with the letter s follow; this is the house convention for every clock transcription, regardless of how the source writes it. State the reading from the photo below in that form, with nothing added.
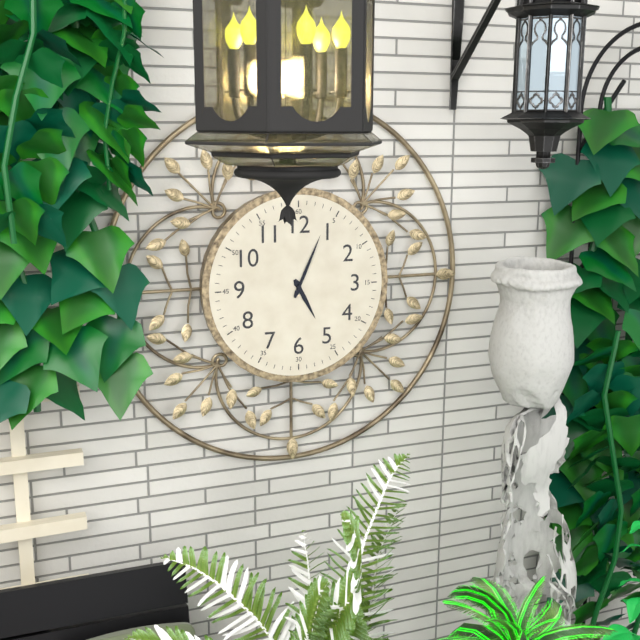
5h04
